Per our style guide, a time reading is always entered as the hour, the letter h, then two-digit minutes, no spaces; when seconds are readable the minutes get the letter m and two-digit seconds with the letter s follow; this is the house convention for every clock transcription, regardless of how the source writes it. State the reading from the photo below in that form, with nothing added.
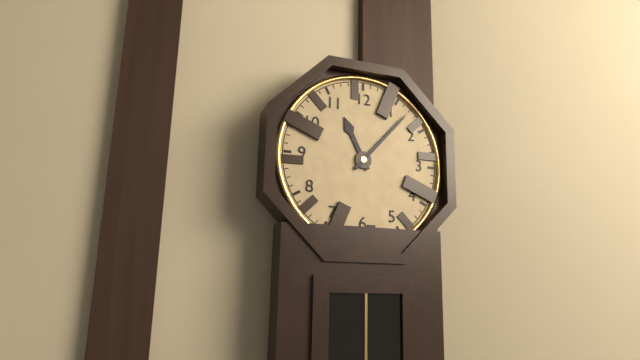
11h07
